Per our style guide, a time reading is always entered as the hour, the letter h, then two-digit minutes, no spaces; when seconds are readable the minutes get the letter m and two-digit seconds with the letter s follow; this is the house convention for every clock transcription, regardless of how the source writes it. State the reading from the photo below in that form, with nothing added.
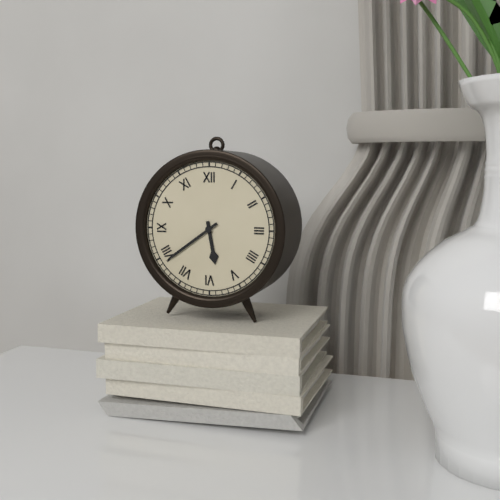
5h39
